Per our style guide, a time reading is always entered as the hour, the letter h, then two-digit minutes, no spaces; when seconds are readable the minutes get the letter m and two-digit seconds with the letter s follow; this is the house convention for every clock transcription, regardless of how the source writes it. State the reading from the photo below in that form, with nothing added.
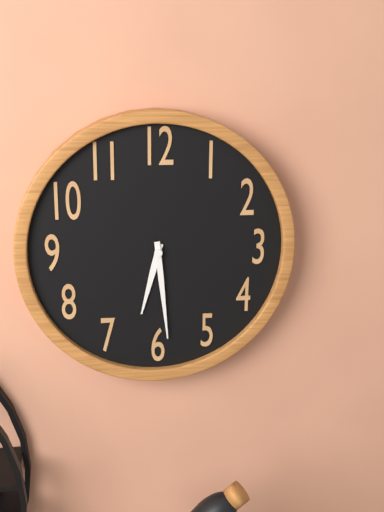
6h29
